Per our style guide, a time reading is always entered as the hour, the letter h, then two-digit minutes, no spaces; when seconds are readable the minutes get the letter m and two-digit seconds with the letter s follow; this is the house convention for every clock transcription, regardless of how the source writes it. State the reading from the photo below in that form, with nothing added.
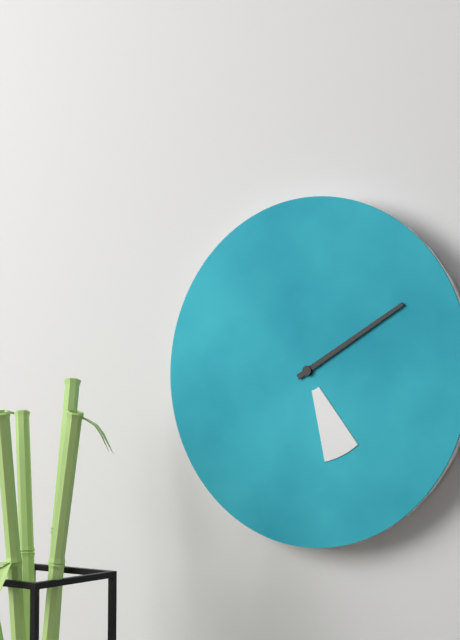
5h10
